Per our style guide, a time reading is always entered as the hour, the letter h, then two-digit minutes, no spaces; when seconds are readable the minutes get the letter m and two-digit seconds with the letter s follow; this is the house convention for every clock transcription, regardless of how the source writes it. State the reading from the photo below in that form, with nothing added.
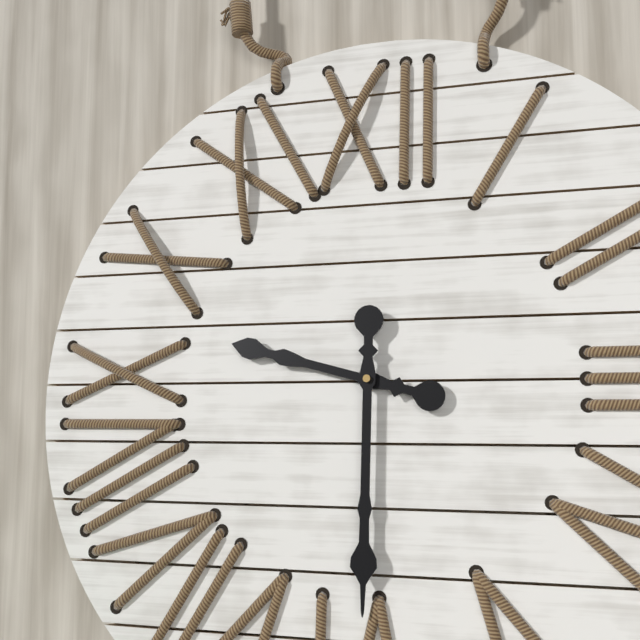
9h30
